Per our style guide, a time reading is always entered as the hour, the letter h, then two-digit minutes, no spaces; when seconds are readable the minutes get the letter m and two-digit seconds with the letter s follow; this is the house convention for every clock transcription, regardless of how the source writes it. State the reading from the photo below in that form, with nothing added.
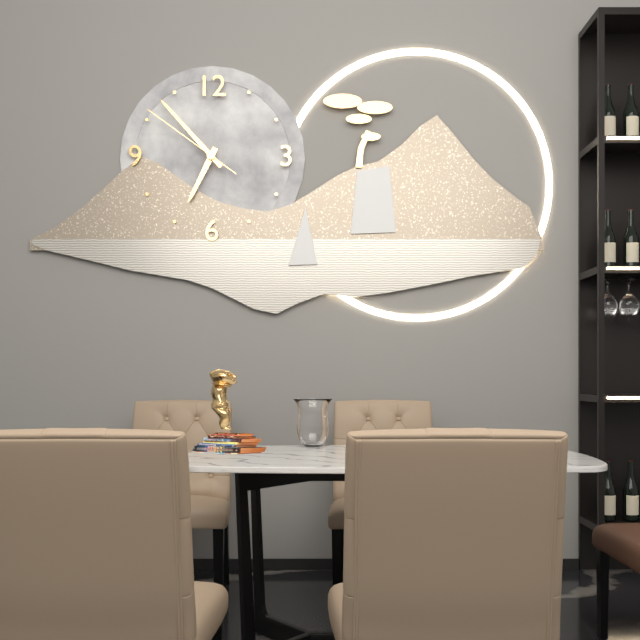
6h53m51s
